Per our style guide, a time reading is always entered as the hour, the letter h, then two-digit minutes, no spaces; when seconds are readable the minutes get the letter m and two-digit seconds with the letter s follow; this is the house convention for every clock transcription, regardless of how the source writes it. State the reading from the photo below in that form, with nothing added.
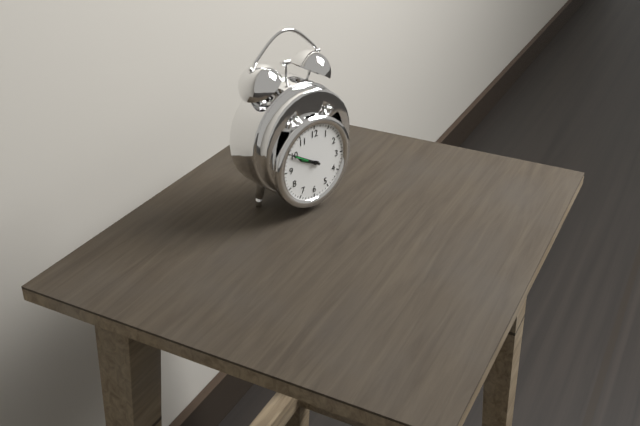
9h50
